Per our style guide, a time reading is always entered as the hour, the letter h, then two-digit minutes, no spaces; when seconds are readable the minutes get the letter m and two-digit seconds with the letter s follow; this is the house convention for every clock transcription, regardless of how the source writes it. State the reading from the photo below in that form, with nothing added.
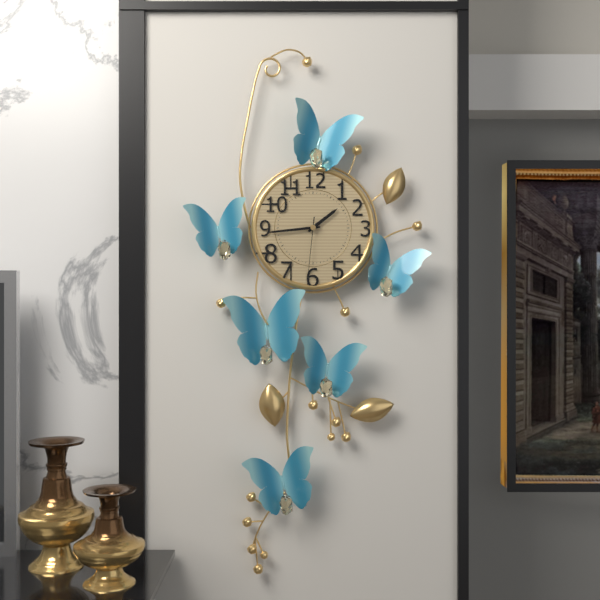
1h44m31s
